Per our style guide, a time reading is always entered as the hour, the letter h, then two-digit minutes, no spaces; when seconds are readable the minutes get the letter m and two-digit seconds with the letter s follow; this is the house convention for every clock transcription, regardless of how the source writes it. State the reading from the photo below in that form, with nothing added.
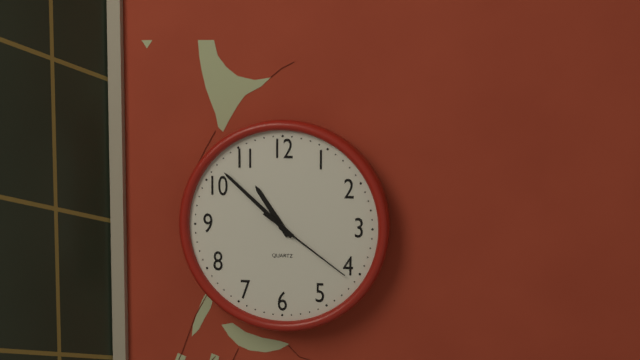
10h52m21s
